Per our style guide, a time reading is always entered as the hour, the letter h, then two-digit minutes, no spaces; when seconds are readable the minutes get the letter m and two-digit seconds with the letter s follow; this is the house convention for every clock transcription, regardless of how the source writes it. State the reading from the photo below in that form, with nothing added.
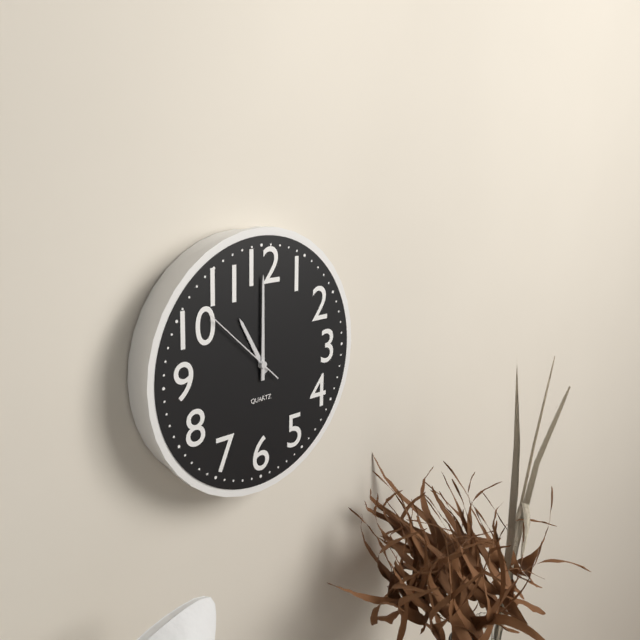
11h00m52s
